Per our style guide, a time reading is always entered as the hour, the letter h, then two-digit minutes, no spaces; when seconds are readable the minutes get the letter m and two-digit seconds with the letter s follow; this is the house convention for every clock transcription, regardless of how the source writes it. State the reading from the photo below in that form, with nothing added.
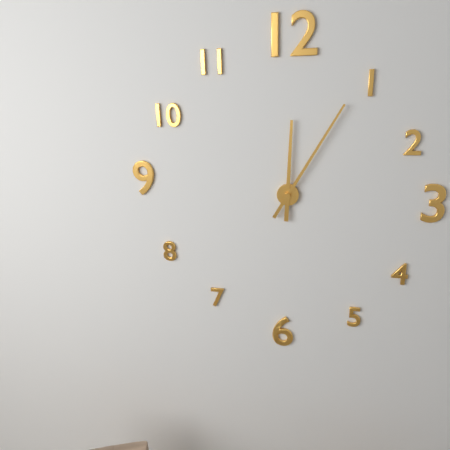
12h05
